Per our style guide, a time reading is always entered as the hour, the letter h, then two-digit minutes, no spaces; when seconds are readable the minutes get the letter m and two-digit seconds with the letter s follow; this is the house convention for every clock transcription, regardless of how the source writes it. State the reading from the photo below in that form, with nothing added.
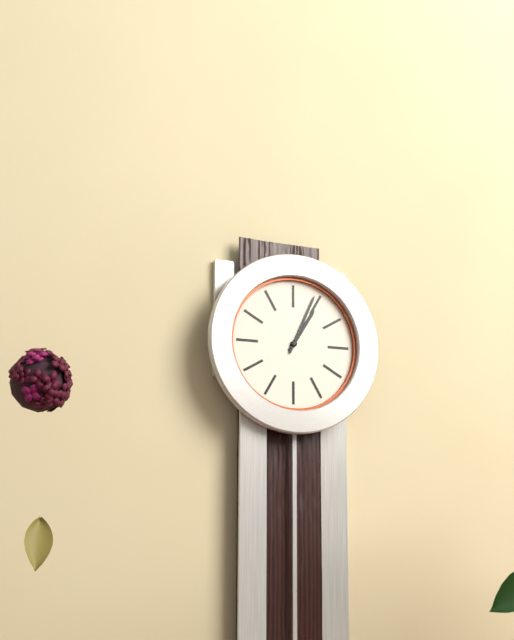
1h04
